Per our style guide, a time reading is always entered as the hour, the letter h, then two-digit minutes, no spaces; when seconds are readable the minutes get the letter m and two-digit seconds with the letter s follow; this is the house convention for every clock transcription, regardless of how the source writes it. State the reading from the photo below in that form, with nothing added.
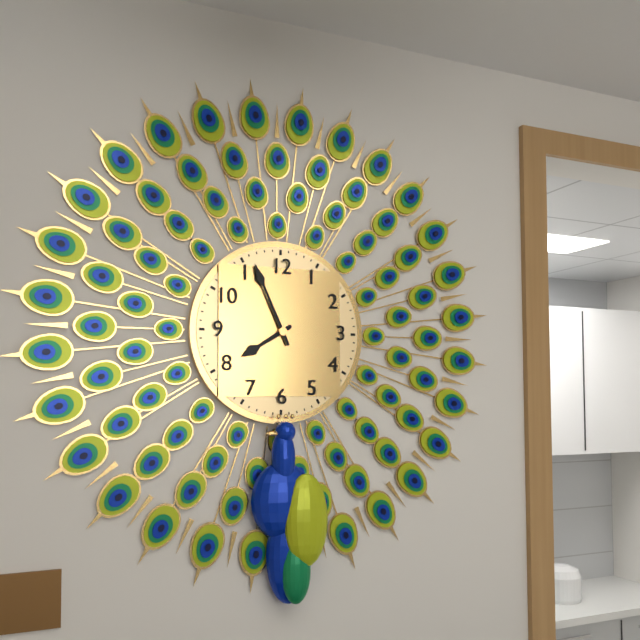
7h56
